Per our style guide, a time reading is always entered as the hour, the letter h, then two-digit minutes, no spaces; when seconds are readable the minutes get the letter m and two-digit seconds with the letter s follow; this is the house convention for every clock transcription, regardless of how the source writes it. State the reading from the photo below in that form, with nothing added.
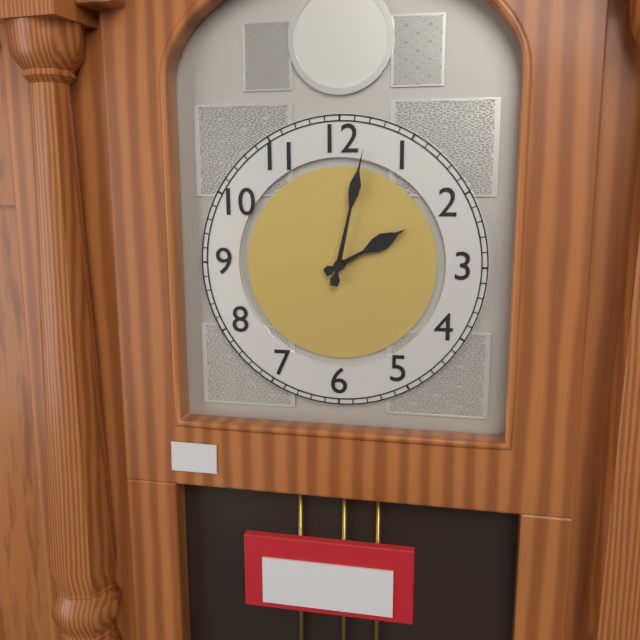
2h02
